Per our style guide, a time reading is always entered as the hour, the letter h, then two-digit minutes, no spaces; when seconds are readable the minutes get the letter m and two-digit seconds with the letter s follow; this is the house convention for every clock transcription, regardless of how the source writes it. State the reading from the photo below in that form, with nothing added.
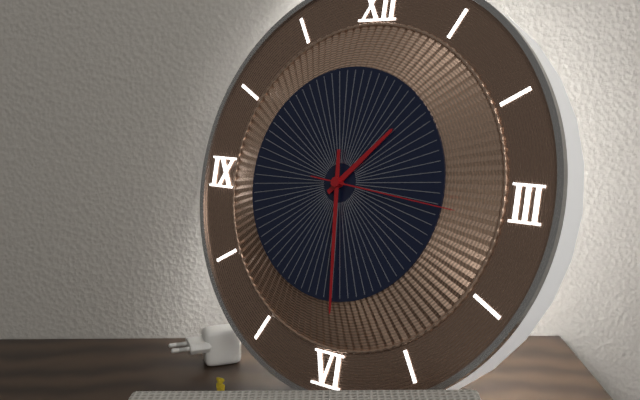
1h29m16s
